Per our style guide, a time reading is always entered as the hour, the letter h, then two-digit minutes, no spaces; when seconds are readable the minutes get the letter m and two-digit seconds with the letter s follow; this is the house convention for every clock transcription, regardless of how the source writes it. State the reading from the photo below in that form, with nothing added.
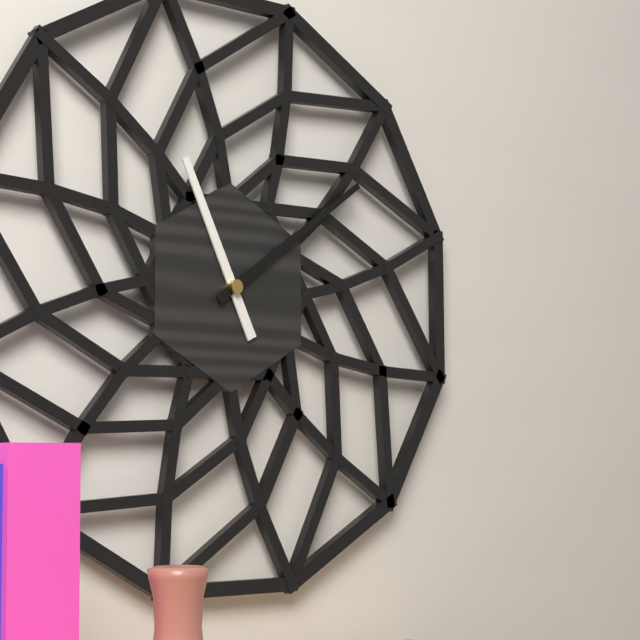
11h09
